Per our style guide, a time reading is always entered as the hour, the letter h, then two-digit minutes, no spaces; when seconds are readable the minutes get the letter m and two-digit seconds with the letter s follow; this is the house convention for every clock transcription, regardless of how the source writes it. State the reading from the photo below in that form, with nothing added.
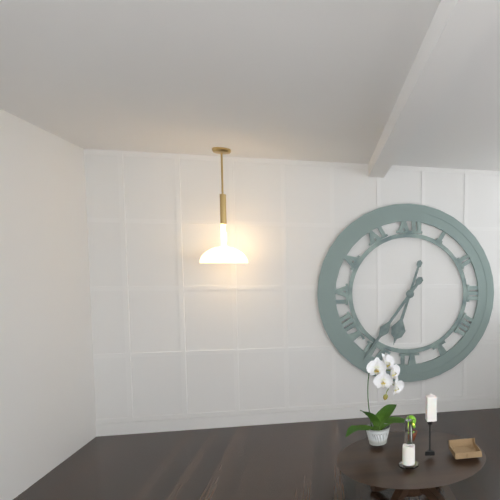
6h36
